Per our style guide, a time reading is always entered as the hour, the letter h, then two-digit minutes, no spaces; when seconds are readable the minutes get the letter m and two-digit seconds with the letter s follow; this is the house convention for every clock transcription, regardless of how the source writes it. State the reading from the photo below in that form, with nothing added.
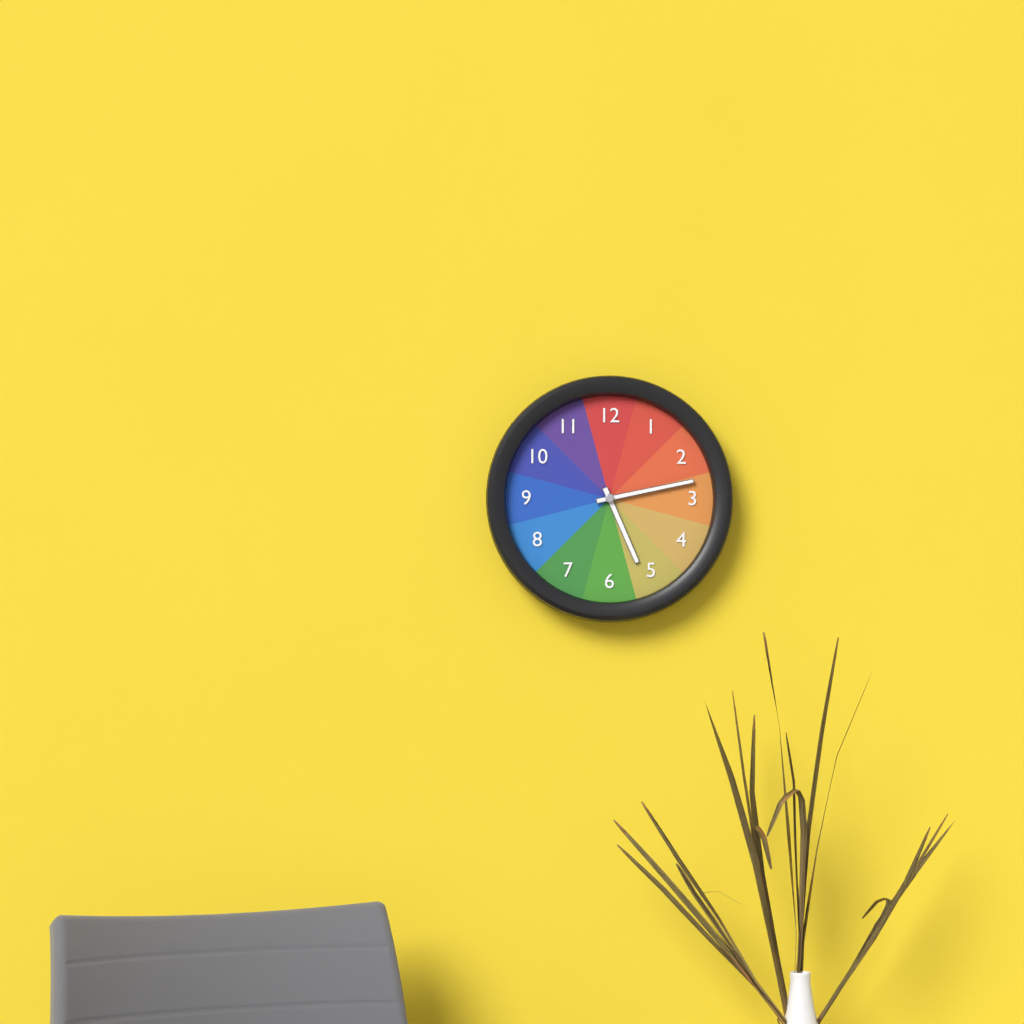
5h13
